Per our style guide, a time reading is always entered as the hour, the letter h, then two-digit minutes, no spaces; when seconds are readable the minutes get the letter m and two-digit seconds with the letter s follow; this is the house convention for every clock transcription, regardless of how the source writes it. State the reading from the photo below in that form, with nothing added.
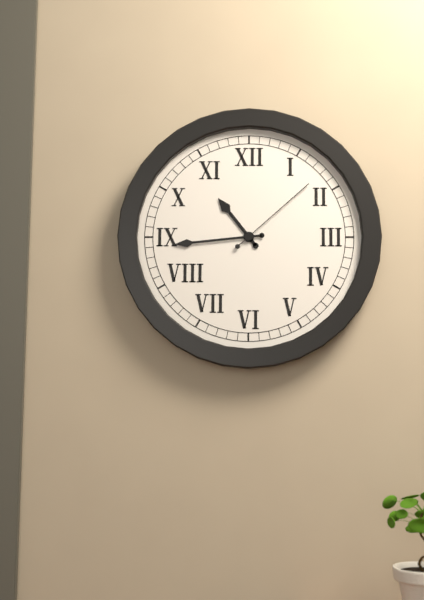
10h44m08s
